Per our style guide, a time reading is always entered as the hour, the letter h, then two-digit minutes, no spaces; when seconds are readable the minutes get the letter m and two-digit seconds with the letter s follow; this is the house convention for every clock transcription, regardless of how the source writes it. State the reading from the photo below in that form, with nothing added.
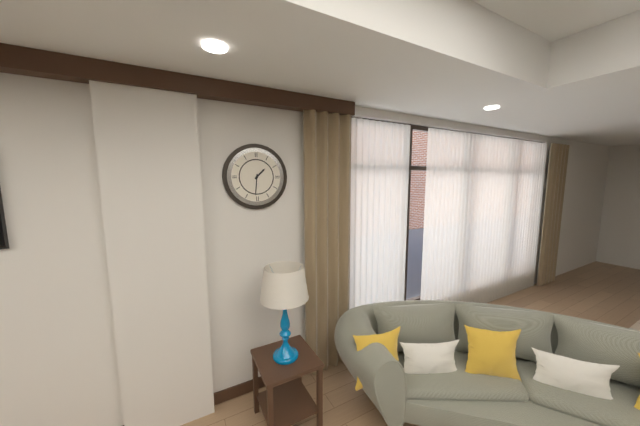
1h31
